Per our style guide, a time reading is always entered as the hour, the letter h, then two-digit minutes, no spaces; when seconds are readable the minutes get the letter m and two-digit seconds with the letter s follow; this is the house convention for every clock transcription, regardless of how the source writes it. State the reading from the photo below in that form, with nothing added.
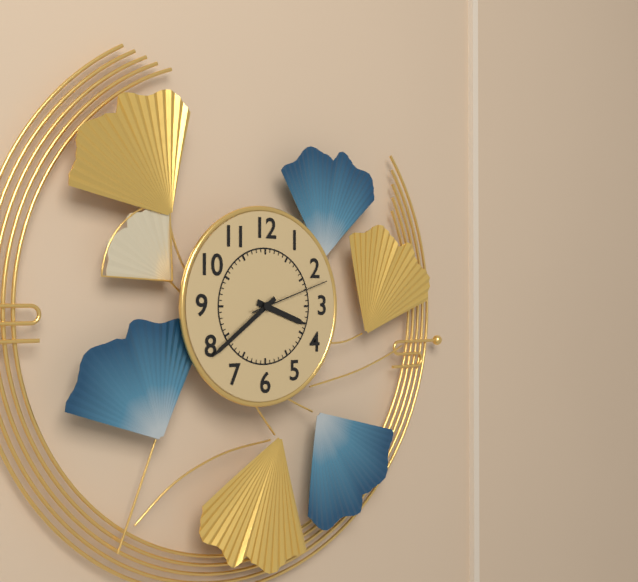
3h39m12s
